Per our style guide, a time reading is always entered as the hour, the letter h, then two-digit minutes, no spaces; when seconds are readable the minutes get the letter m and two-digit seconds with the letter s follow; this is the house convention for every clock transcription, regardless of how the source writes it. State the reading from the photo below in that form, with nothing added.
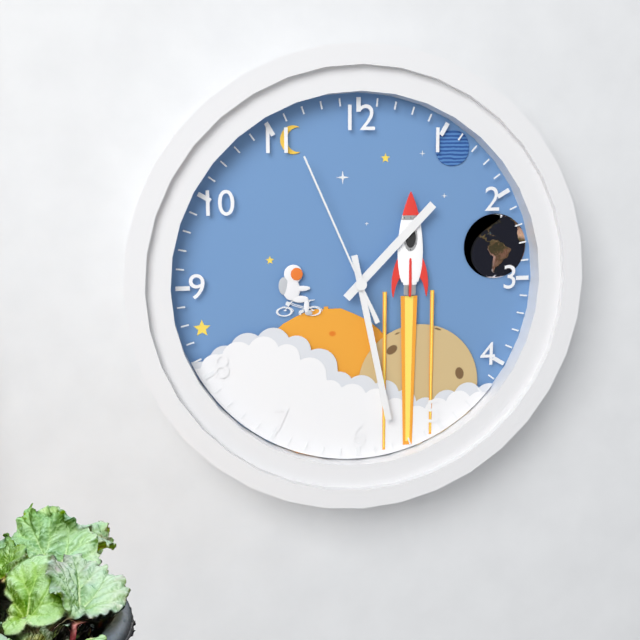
1h28m56s
